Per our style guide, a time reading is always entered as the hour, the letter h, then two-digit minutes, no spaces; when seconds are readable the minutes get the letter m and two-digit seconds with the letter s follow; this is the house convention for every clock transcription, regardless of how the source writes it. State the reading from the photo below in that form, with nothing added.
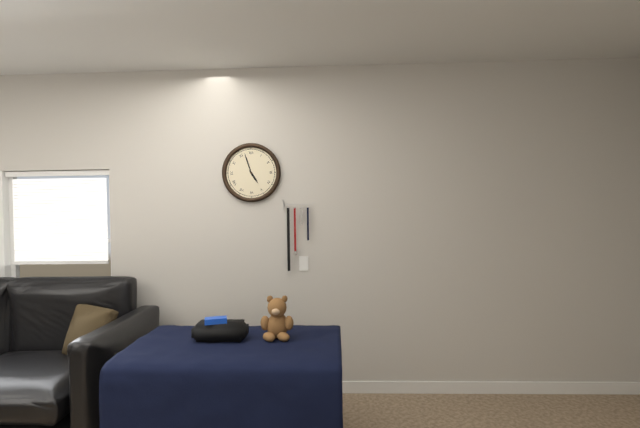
4h57
